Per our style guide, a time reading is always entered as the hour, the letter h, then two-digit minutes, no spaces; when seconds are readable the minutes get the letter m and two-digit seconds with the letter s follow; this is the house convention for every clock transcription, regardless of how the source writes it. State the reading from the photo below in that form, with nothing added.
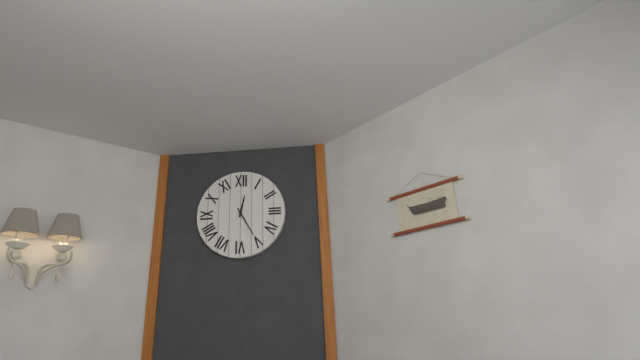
12h25
